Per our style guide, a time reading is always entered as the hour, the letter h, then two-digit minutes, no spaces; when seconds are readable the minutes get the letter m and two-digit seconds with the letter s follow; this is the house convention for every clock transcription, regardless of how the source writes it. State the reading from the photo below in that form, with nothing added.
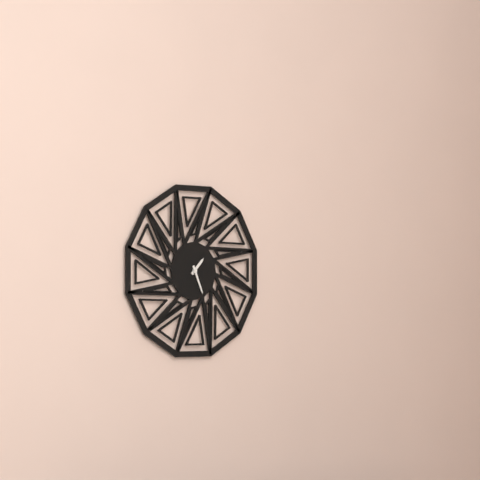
1h26
